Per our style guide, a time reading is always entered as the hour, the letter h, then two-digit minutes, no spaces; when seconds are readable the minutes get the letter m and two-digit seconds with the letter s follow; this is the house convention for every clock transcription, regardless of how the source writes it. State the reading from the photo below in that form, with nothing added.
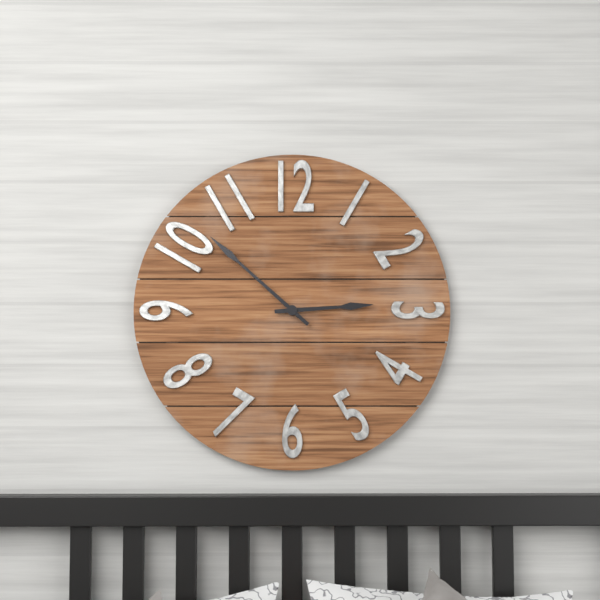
2h52
